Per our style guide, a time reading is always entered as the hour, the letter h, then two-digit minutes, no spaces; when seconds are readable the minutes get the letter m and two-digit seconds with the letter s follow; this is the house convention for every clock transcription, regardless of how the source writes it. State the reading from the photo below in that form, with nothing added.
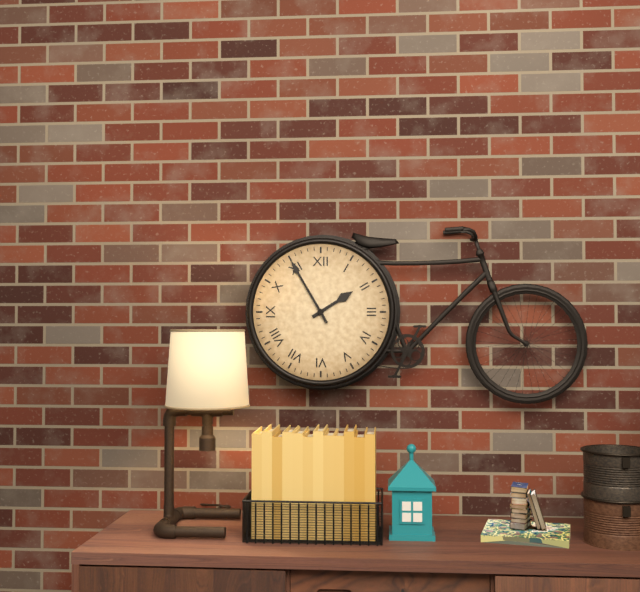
1h55
